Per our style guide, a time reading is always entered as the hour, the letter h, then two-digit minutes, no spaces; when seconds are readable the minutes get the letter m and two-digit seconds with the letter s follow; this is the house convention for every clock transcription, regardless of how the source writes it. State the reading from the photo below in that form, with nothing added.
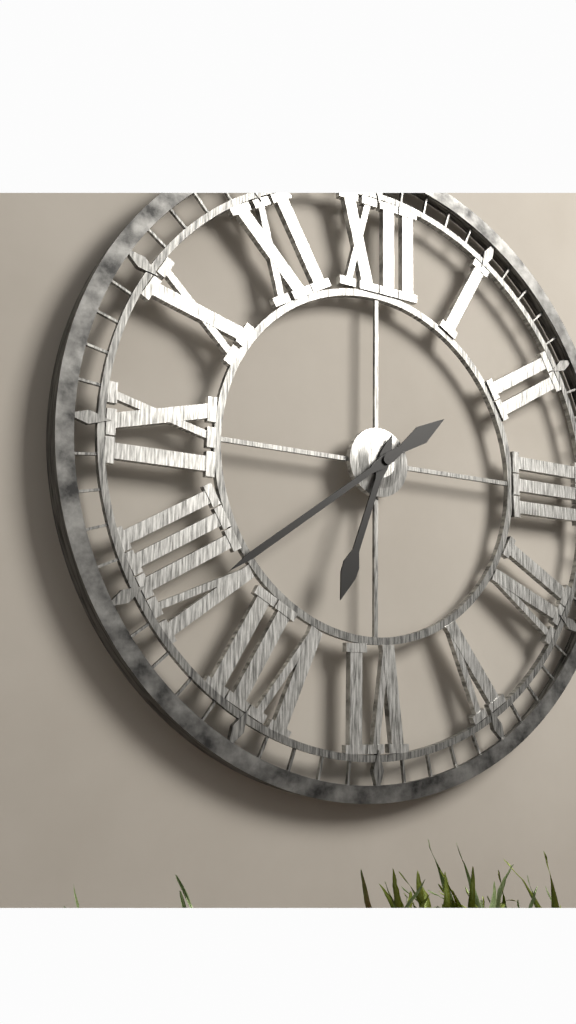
6h39
